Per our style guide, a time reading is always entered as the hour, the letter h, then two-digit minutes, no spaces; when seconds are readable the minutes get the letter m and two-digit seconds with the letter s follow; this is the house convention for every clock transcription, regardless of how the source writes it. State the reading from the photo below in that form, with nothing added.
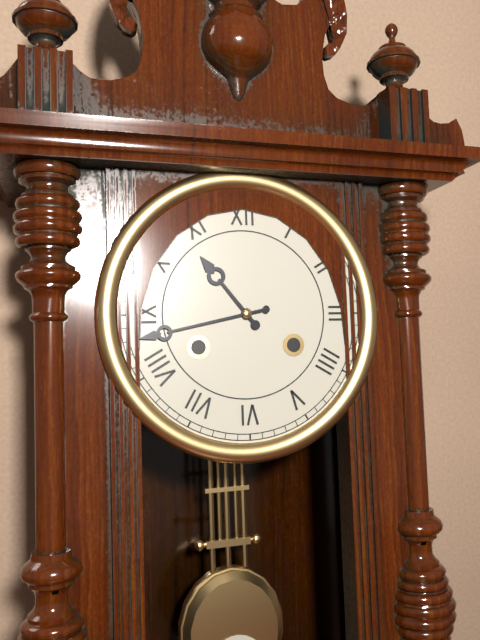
10h43
